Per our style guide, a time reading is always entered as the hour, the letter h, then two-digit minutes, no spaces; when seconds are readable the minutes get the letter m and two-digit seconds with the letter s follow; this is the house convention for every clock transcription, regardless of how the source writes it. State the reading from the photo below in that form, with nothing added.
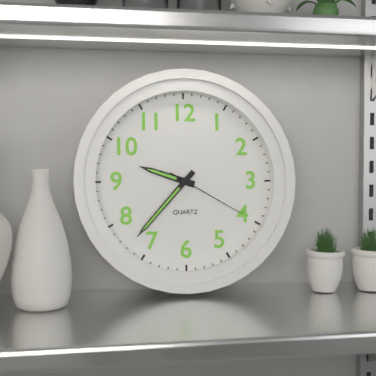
9h37m20s
